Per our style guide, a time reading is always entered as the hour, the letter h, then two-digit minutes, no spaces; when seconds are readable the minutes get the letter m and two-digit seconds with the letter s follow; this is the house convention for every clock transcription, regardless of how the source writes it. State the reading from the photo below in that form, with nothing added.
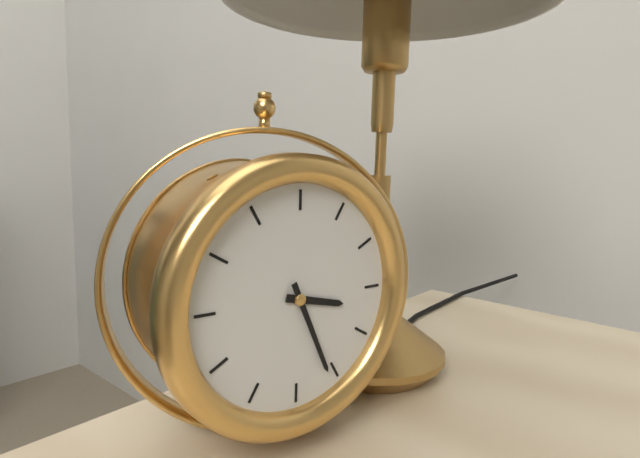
3h26
